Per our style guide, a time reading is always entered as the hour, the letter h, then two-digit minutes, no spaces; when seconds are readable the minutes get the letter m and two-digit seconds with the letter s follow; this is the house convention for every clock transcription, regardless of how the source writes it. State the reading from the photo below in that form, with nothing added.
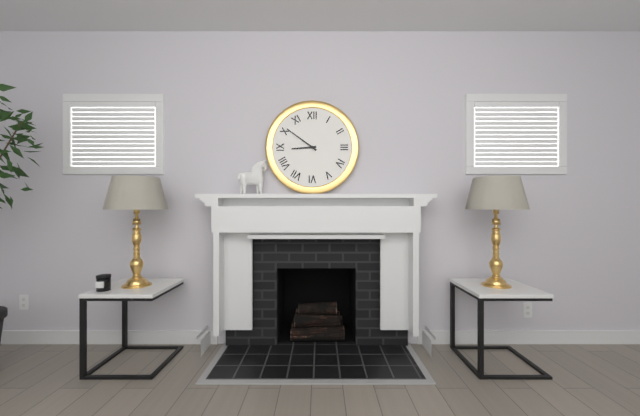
8h51
